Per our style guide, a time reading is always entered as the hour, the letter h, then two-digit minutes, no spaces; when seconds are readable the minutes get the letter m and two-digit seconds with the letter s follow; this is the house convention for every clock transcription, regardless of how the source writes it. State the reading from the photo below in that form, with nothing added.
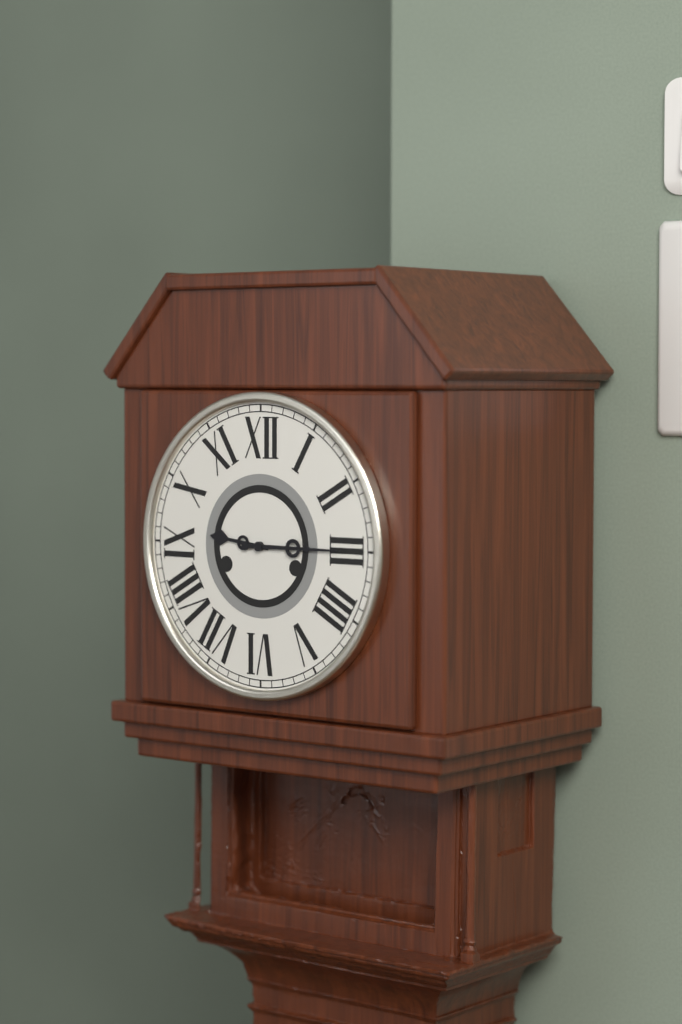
9h15
